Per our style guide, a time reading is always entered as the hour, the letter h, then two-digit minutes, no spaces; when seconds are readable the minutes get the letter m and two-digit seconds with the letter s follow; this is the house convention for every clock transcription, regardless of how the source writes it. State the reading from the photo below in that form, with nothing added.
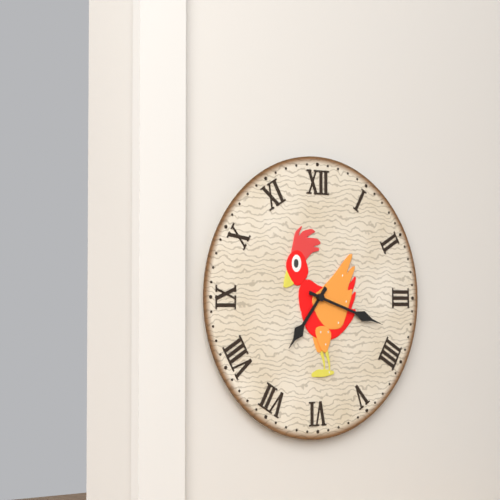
7h18
